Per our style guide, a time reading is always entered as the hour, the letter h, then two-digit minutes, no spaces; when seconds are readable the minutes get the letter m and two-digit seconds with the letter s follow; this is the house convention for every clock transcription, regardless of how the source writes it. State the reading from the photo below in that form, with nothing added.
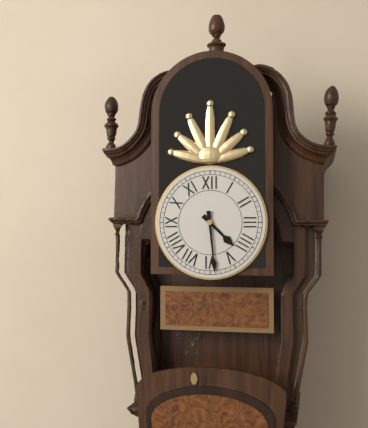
4h29
